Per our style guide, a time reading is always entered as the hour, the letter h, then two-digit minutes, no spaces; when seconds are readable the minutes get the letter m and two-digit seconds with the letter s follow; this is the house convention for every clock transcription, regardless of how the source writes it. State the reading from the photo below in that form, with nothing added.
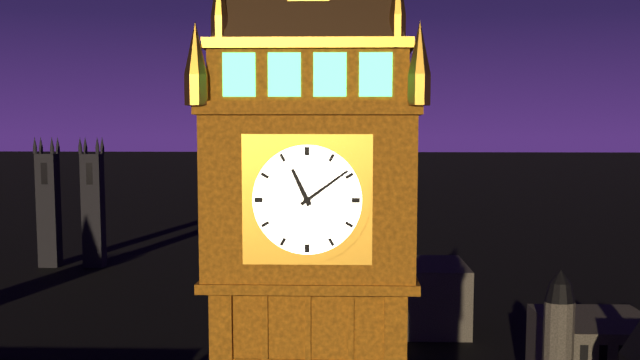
11h09
